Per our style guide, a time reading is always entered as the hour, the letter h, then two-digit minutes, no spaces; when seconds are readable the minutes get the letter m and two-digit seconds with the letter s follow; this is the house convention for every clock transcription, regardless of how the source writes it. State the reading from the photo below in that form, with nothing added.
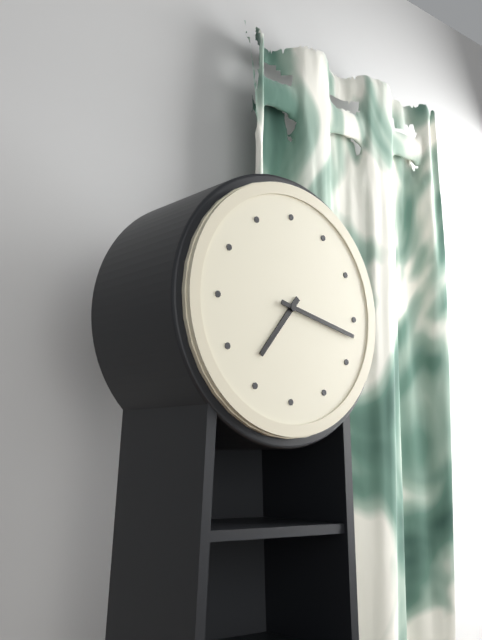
7h17
